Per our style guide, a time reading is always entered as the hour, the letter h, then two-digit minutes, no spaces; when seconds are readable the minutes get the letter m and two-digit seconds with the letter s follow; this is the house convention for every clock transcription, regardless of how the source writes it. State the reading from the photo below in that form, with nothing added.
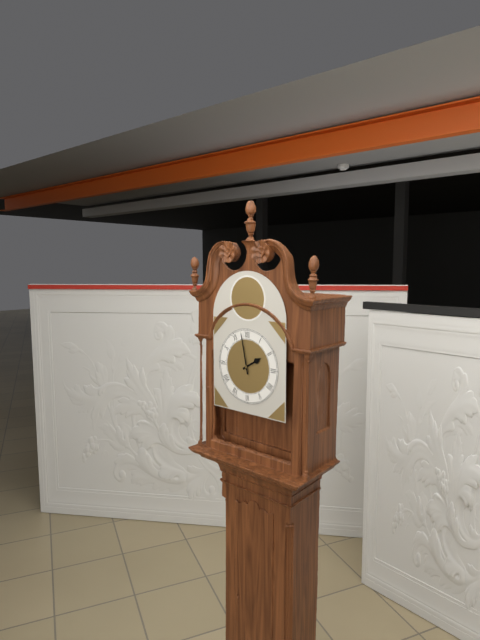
1h58
